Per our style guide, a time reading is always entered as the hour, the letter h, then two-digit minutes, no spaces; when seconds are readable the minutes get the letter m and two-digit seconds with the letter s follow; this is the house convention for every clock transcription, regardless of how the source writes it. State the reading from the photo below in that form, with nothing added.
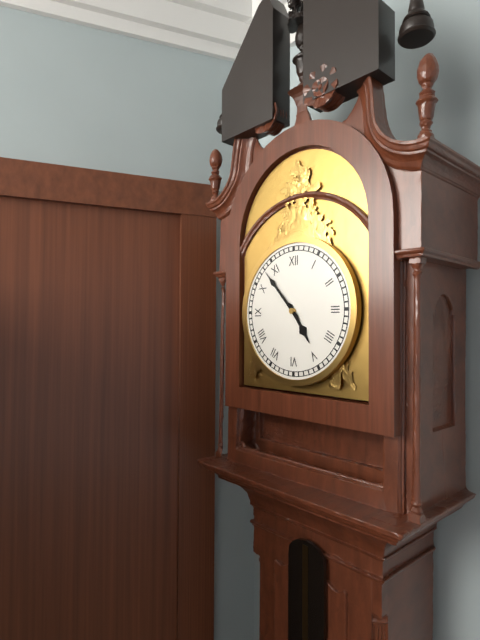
4h53
